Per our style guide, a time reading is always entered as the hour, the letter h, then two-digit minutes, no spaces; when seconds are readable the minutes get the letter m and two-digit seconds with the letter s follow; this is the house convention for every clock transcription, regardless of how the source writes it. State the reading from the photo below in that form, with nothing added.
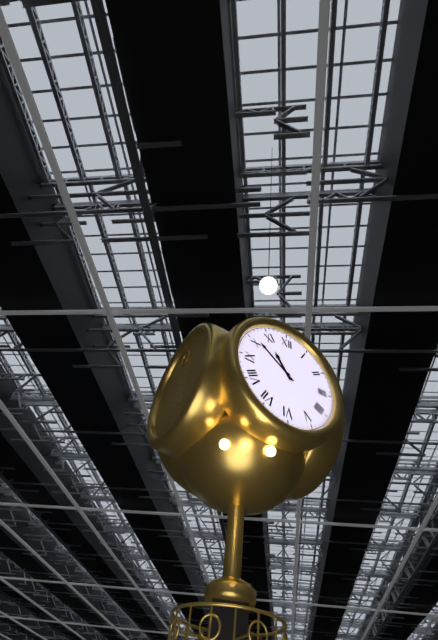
10h51
